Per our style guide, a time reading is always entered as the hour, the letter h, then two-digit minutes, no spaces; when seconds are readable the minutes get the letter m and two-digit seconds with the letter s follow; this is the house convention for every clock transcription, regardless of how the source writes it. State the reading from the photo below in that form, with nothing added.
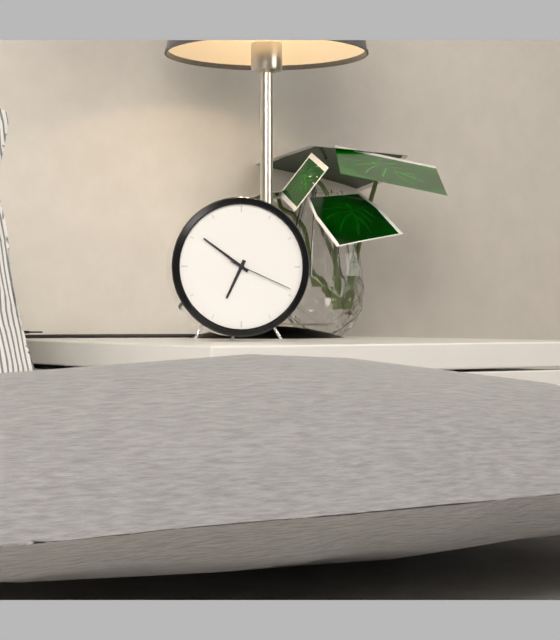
6h51m19s
